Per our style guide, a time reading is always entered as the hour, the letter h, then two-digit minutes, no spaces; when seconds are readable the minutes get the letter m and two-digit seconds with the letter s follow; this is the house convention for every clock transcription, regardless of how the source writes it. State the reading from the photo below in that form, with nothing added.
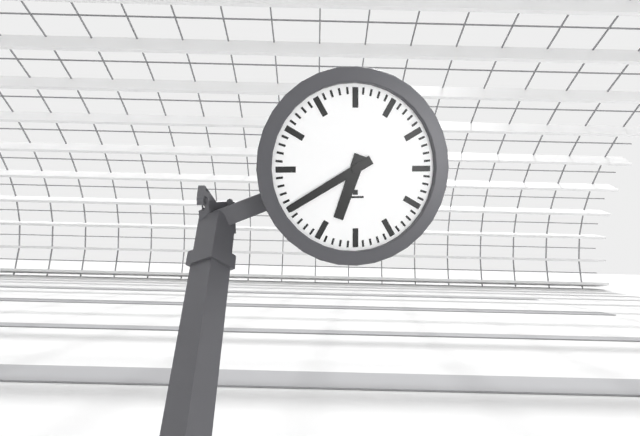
6h40
